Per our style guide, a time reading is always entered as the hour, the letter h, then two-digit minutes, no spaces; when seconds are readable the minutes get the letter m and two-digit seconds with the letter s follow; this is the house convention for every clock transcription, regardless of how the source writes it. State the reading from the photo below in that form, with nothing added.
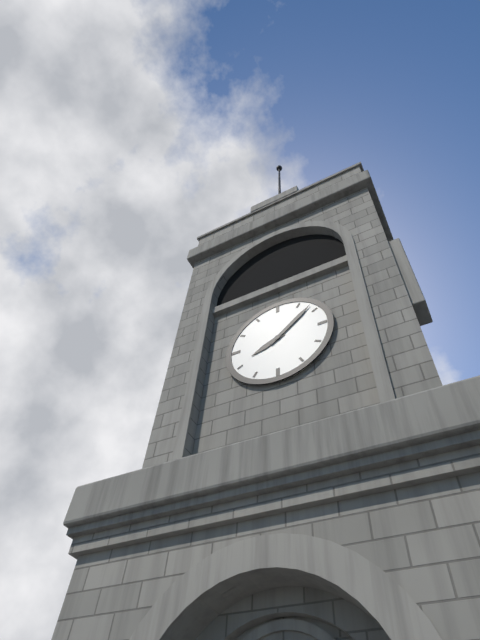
8h08
